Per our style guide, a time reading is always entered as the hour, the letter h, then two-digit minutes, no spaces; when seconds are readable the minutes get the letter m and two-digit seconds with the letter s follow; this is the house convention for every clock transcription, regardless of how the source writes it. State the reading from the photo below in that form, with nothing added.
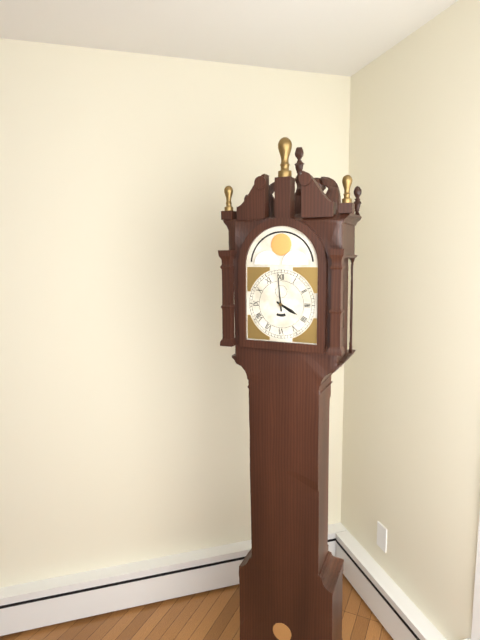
3h59
